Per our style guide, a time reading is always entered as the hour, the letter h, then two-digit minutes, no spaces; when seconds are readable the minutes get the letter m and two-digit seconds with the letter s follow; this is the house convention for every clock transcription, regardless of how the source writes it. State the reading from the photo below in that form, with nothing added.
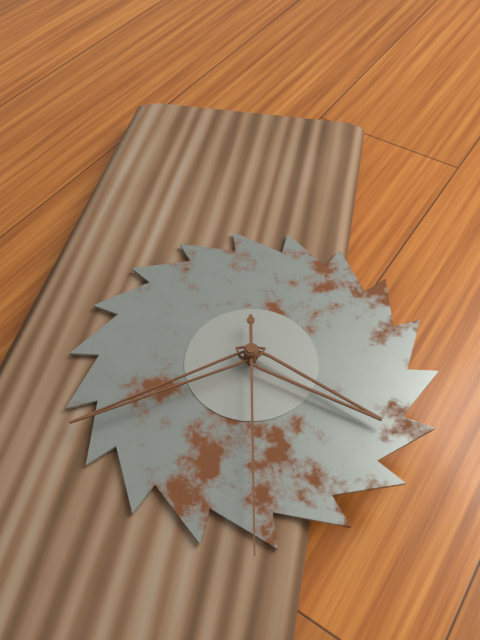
3h39m28s
